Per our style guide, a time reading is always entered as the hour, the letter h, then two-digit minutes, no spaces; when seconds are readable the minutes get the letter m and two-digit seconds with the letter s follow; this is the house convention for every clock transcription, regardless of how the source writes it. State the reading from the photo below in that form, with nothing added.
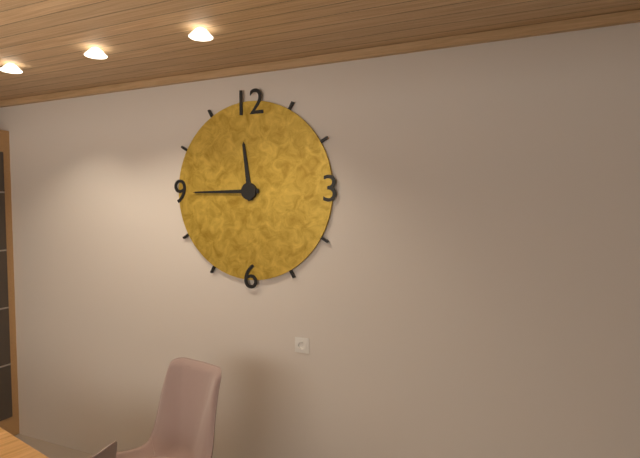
11h45
